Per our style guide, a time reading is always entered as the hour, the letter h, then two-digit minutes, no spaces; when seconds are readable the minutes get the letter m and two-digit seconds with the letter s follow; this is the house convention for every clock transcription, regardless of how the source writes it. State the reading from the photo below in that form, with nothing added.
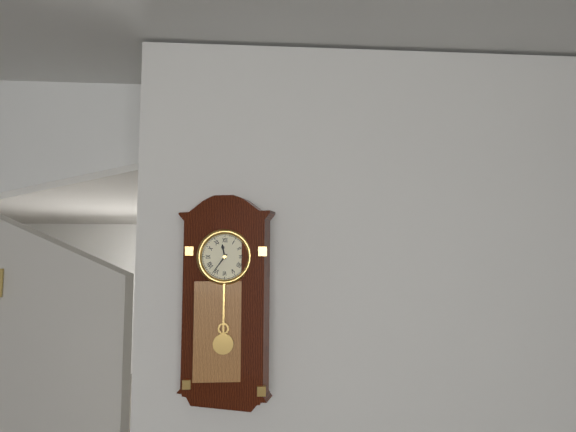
11h36
